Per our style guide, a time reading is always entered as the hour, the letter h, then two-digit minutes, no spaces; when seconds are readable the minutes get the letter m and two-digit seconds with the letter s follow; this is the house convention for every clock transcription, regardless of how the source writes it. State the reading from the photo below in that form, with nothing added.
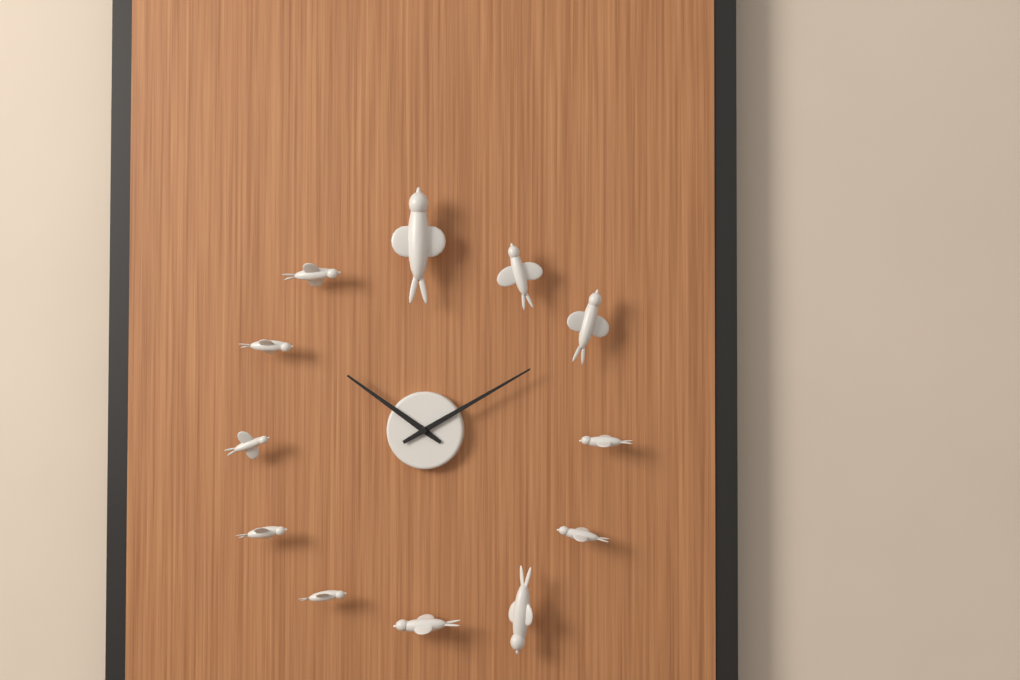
10h10
